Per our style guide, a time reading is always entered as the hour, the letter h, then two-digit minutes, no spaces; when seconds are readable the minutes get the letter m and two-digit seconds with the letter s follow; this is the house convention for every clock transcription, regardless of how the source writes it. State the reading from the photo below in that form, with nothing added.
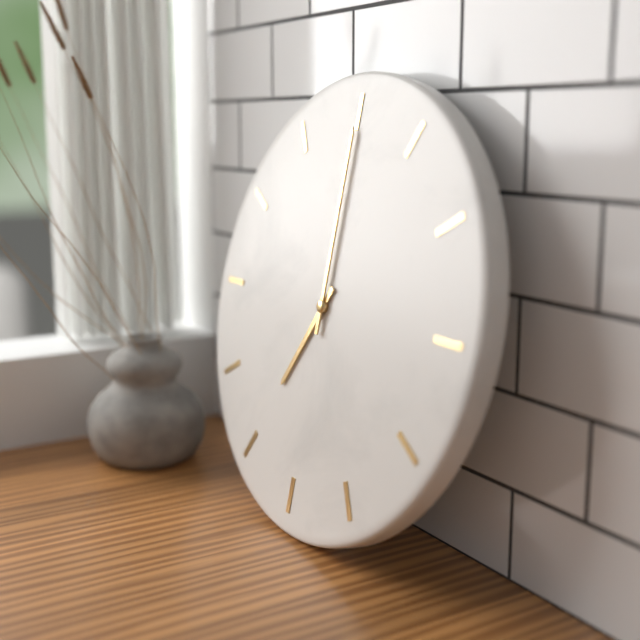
7h00
